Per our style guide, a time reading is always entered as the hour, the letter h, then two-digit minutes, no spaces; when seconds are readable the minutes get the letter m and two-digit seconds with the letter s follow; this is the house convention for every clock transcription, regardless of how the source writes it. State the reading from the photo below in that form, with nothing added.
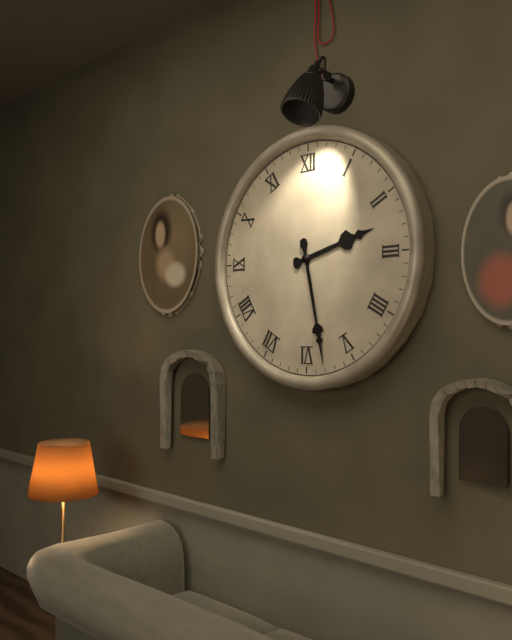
2h28
